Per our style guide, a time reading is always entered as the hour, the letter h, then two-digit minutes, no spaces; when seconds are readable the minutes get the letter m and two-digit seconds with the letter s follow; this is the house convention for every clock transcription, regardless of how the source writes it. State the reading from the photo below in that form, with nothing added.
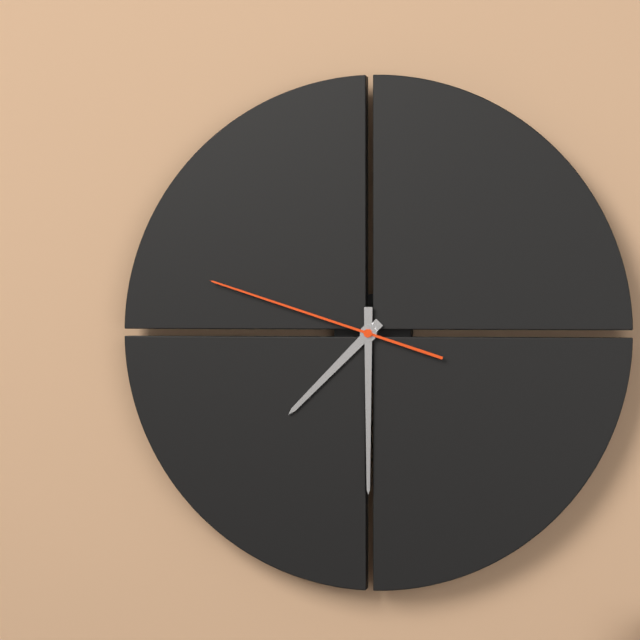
7h30m48s
